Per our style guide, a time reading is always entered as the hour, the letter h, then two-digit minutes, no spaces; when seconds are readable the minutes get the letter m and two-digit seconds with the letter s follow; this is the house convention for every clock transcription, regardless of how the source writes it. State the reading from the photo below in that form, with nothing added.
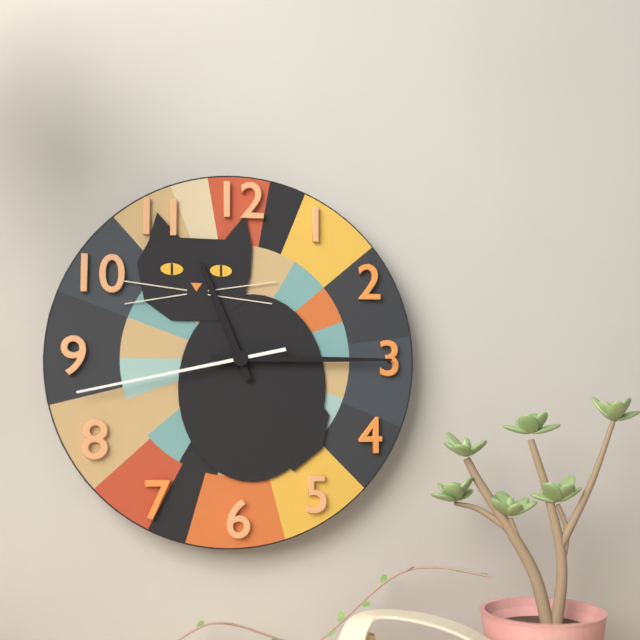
11h15m43s
